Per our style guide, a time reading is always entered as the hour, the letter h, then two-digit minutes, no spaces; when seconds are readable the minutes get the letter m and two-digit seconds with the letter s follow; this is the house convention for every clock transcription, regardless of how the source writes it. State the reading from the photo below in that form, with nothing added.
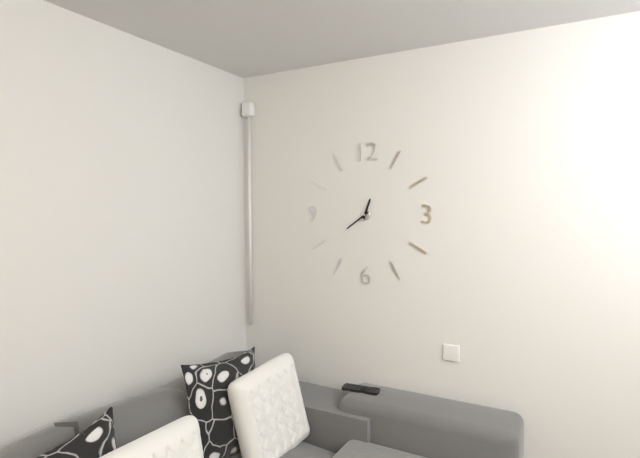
12h39
